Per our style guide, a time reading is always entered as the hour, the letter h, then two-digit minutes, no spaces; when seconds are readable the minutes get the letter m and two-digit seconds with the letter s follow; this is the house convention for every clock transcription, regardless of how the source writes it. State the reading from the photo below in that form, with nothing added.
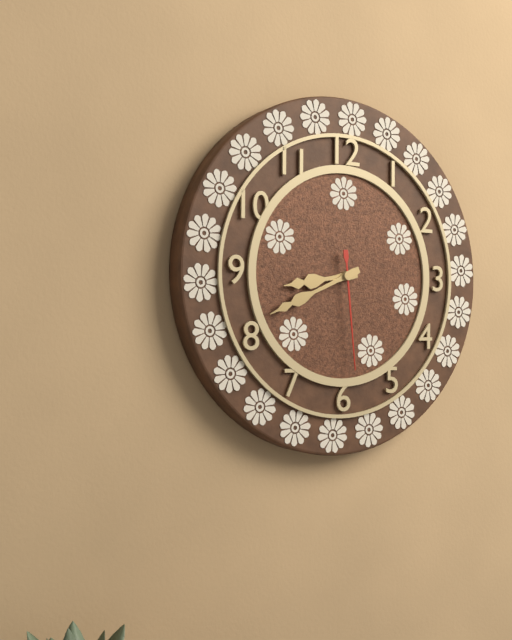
8h41m29s
